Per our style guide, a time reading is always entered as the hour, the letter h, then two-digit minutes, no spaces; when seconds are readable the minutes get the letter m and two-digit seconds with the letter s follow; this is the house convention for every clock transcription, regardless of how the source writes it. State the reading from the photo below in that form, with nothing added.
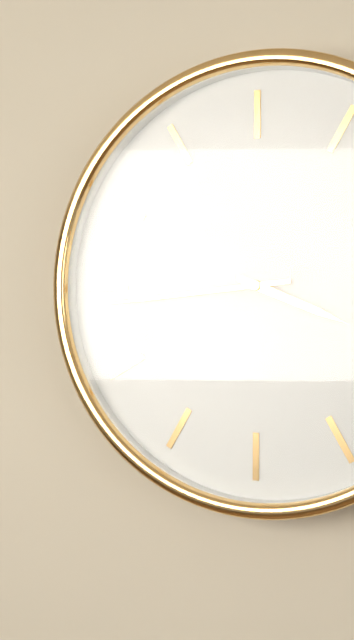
3h44
